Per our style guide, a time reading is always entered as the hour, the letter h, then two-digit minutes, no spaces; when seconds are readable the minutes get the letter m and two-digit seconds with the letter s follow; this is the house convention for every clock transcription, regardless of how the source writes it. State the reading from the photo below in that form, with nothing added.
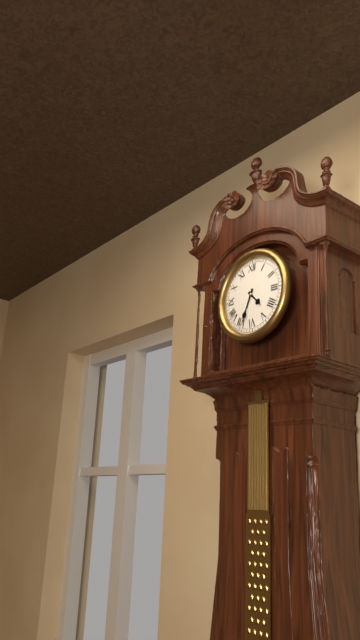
4h34
